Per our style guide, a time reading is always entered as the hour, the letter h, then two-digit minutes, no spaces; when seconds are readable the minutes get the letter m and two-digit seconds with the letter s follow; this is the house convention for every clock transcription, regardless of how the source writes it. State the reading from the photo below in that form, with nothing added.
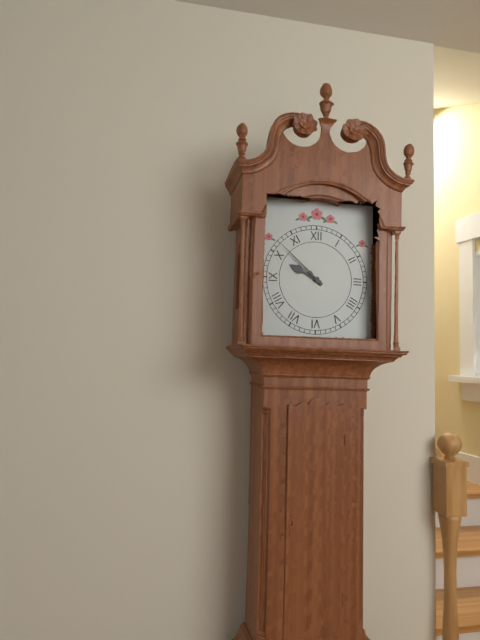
9h52
